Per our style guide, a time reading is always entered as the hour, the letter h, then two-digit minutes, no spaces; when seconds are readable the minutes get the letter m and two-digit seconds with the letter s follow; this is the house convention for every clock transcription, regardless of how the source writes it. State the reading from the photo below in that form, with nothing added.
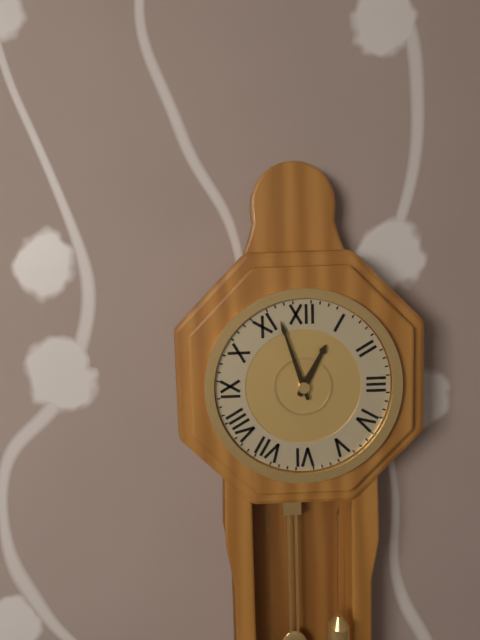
12h57
